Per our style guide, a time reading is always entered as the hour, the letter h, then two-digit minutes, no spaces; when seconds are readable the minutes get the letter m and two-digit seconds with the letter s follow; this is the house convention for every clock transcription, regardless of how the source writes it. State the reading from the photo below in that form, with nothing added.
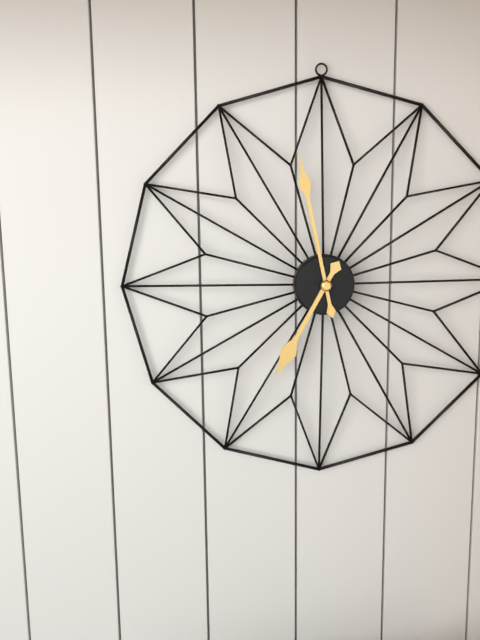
6h58
